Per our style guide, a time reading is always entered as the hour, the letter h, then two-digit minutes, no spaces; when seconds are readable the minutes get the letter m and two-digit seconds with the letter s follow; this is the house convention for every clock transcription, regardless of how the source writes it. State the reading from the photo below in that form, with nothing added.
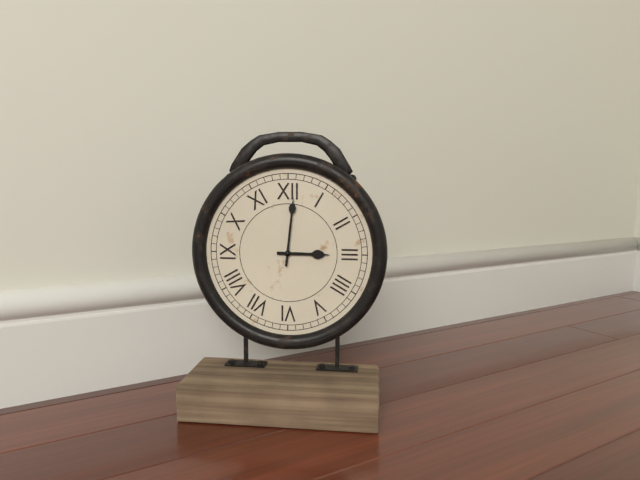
3h01
